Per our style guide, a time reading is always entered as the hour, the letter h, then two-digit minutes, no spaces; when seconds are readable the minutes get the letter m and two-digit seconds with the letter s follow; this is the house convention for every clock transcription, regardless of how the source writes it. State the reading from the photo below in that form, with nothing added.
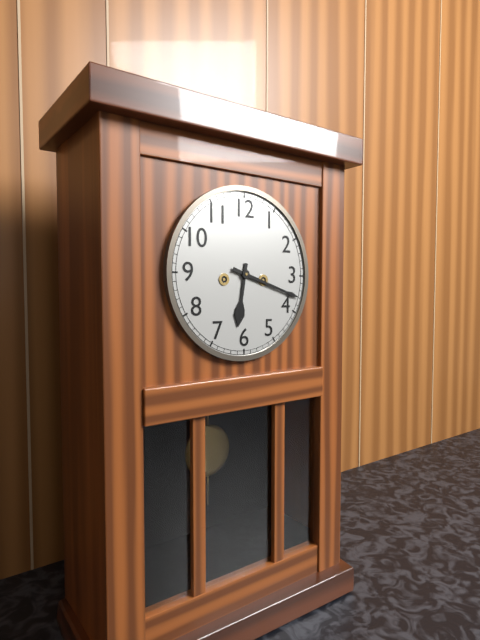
6h18
